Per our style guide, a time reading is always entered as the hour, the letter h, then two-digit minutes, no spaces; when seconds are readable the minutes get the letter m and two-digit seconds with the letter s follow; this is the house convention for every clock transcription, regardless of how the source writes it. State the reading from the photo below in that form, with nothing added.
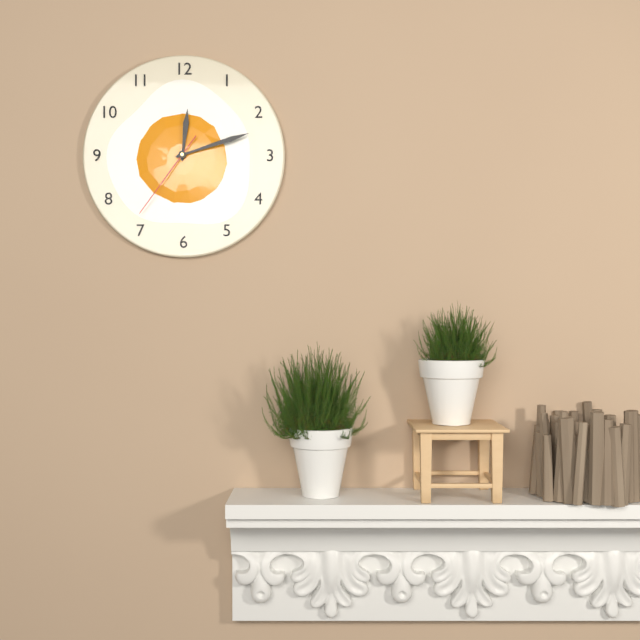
12h12m36s
